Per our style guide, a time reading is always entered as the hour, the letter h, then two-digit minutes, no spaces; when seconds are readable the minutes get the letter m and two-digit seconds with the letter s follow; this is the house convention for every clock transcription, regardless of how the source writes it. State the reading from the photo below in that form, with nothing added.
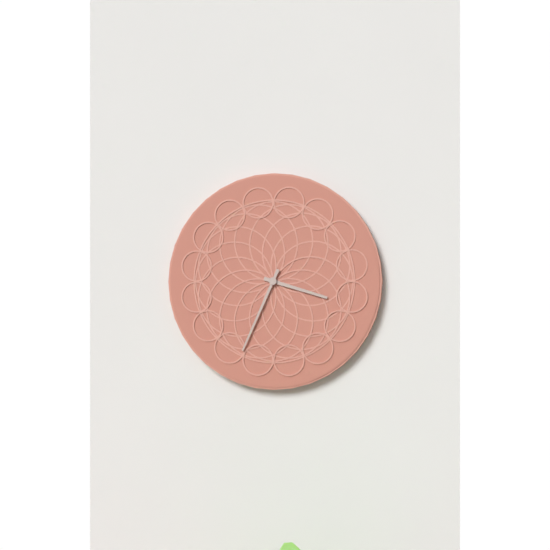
3h34
